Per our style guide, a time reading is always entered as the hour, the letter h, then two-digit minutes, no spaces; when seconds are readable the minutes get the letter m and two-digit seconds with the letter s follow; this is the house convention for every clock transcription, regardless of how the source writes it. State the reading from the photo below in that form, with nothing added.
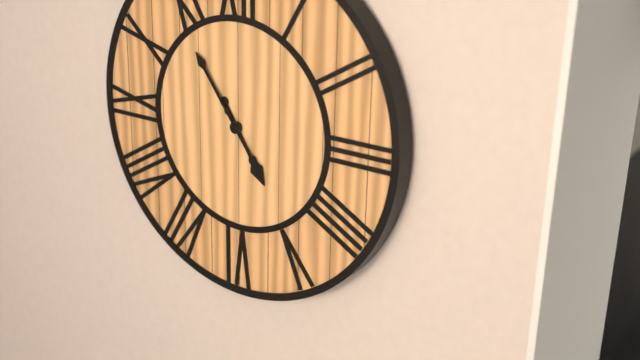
4h54
